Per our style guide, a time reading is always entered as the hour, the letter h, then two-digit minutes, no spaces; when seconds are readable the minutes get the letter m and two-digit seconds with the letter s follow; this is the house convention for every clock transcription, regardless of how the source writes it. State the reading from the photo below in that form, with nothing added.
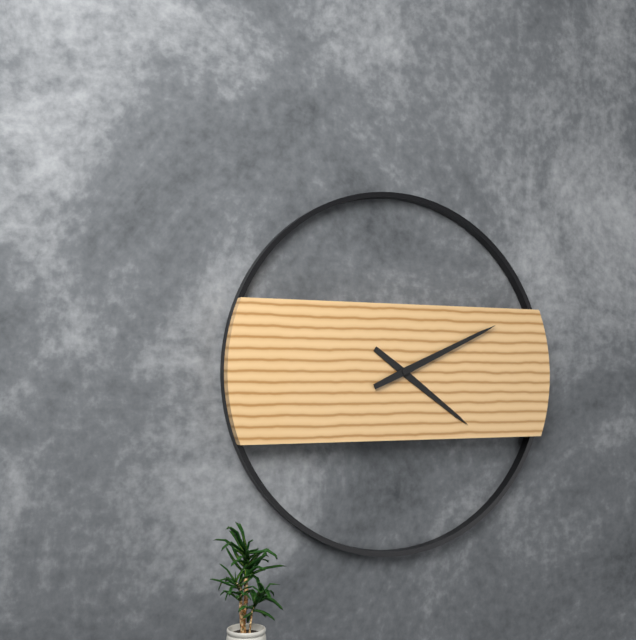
4h11
